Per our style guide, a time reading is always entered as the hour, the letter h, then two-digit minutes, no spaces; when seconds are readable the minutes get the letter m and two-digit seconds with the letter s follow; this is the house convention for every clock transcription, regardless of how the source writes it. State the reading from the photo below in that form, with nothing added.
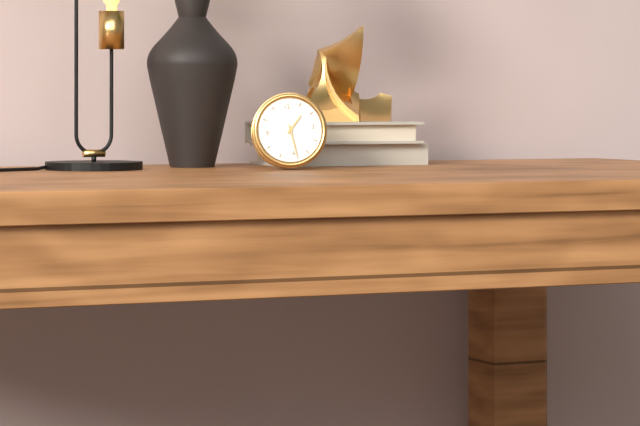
1h29
